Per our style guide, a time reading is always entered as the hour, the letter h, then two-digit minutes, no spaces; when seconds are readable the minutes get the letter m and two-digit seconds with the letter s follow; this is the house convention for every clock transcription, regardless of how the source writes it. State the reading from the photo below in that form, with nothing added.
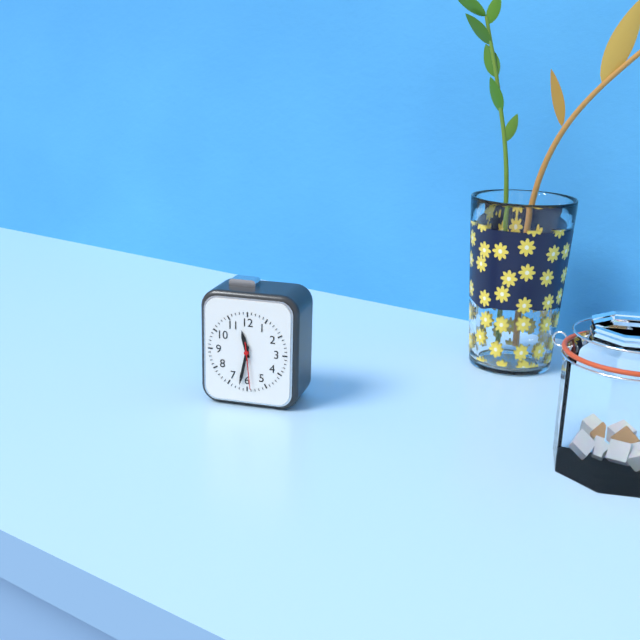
11h32
